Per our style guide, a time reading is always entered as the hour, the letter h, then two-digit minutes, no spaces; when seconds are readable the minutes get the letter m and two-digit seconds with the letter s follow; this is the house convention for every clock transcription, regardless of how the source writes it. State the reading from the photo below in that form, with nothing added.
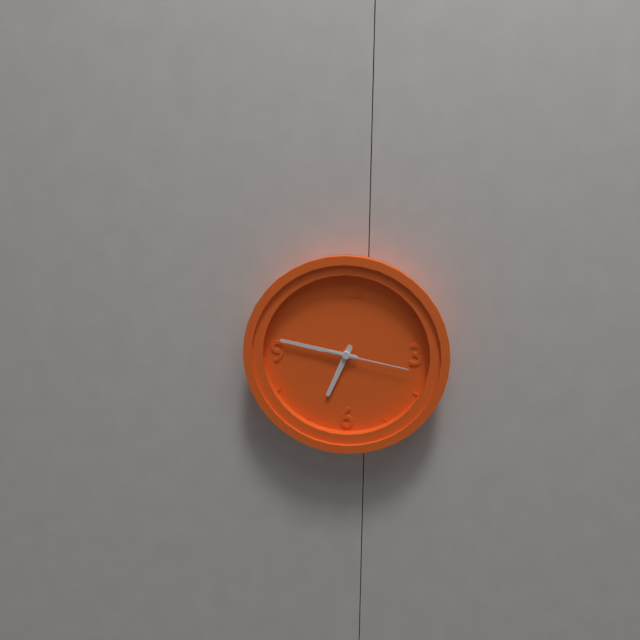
6h47m17s
